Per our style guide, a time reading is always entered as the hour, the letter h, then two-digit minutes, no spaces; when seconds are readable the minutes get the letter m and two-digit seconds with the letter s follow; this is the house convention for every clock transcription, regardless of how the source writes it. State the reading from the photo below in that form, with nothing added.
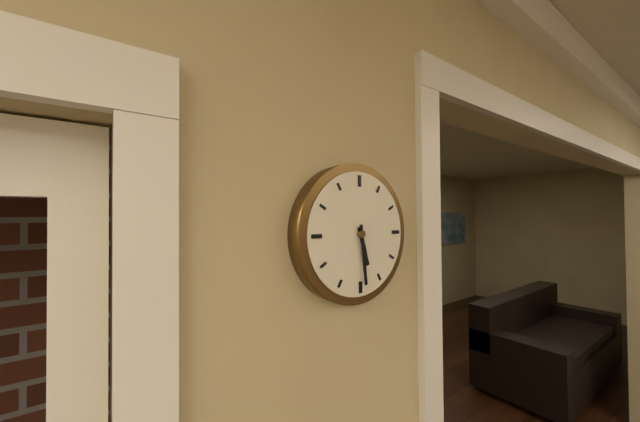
5h29
